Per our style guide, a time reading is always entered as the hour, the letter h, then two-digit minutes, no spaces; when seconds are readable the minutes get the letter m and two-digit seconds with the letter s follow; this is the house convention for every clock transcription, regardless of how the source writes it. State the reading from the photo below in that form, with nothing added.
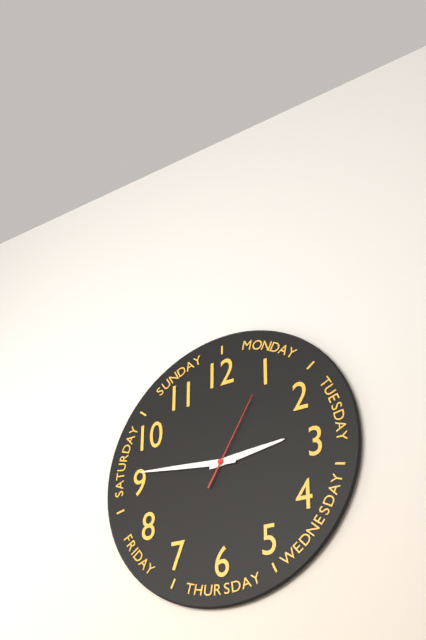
2h46m05s
